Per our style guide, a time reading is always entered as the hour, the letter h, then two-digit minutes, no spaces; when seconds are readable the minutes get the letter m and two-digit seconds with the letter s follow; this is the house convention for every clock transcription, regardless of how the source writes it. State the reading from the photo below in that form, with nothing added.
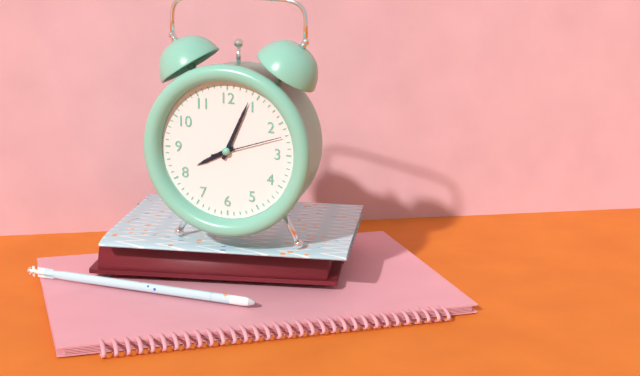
8h04m12s
